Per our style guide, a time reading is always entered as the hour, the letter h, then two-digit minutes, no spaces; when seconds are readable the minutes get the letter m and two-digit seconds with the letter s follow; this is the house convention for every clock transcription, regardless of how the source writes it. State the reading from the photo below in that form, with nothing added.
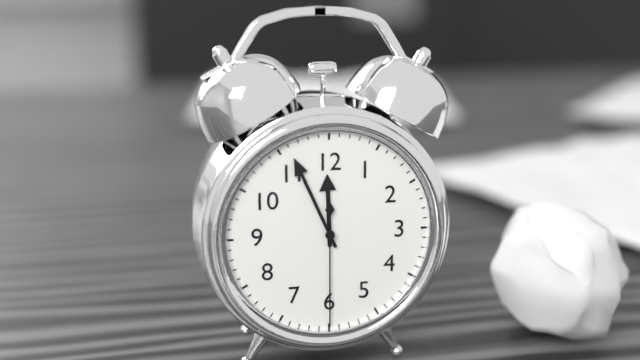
11h56m30s
